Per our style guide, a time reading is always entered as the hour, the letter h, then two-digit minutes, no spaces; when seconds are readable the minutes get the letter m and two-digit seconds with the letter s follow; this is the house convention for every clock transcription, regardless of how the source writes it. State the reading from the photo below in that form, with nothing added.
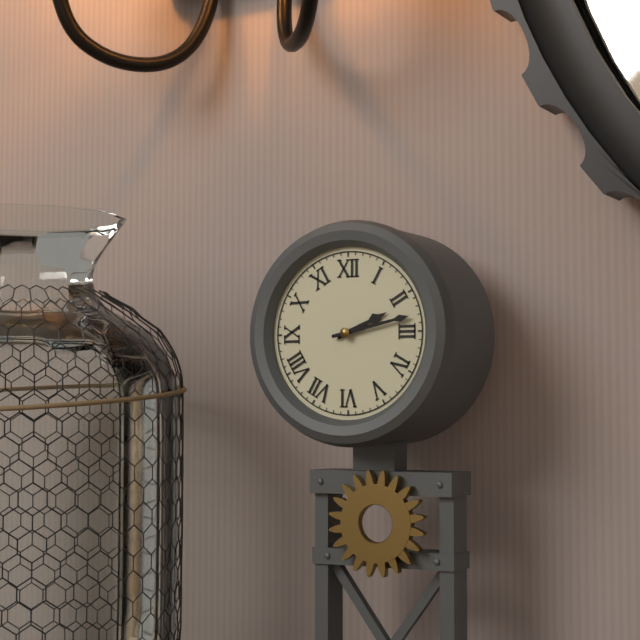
2h13
